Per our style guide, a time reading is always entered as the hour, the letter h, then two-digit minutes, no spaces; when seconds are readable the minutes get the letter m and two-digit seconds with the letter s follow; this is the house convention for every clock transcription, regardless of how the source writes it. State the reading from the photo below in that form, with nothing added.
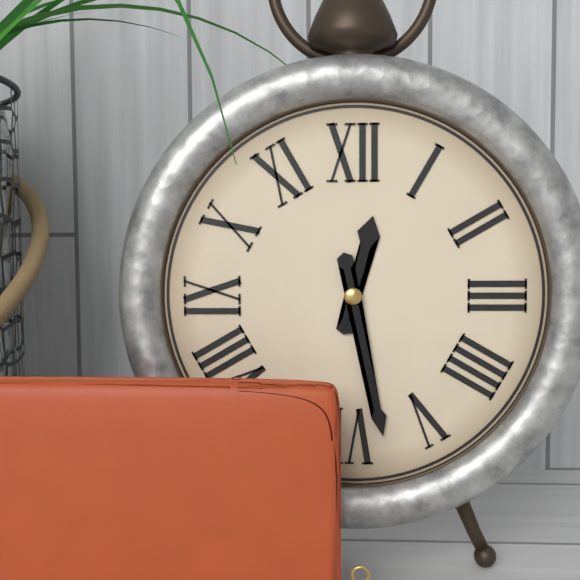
12h28
